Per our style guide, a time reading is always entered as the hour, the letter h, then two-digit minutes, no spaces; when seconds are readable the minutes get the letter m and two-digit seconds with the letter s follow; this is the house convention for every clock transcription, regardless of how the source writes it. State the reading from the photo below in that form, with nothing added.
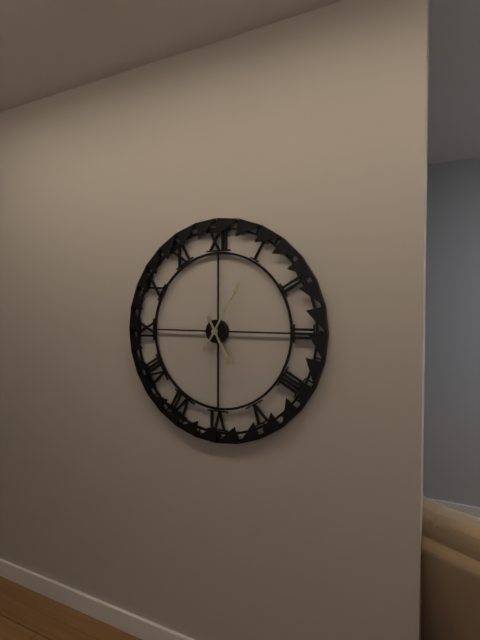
5h05
